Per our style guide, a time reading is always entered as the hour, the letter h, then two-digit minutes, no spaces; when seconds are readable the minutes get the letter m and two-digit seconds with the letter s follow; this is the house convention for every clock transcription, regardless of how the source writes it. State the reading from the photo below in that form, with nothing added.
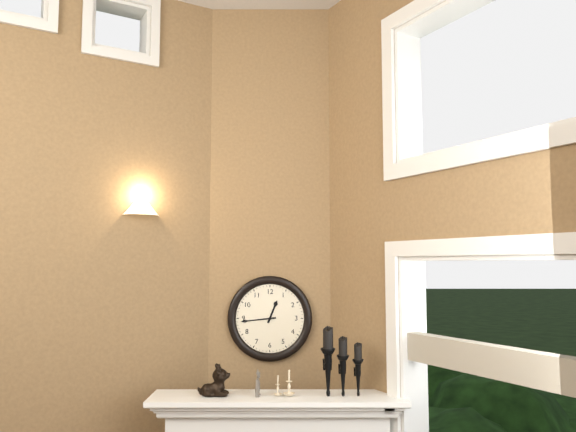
12h44
